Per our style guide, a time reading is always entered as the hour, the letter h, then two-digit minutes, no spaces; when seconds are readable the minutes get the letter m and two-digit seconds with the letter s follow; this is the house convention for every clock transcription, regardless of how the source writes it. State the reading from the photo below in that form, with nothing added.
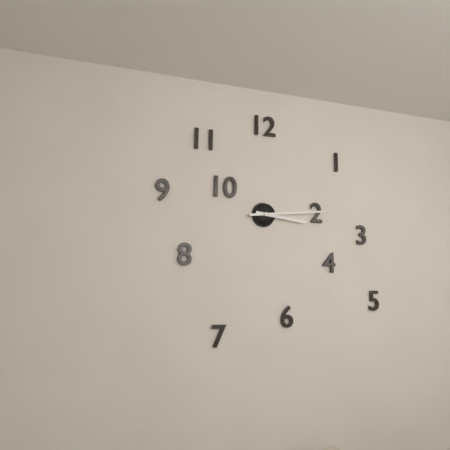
3h14
